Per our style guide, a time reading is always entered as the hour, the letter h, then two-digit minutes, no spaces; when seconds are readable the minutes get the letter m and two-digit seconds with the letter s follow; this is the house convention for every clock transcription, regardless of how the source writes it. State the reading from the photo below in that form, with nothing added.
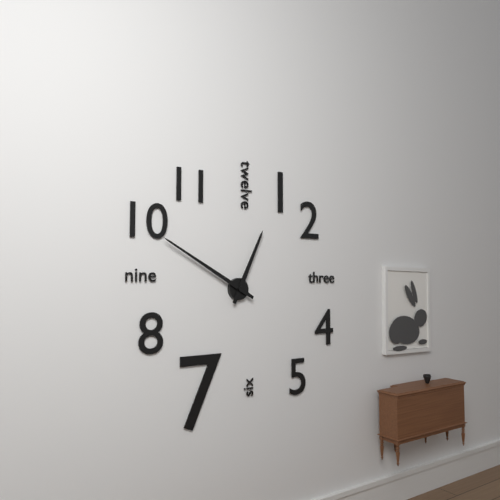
12h50
